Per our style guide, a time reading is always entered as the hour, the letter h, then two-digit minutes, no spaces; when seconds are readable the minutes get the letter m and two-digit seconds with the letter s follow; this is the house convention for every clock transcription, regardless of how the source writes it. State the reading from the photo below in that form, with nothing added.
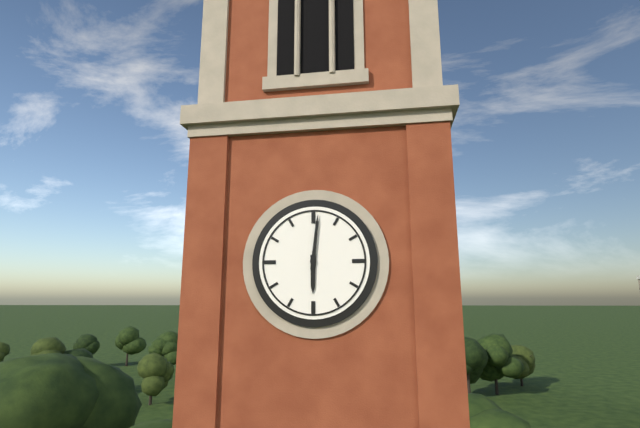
6h01
